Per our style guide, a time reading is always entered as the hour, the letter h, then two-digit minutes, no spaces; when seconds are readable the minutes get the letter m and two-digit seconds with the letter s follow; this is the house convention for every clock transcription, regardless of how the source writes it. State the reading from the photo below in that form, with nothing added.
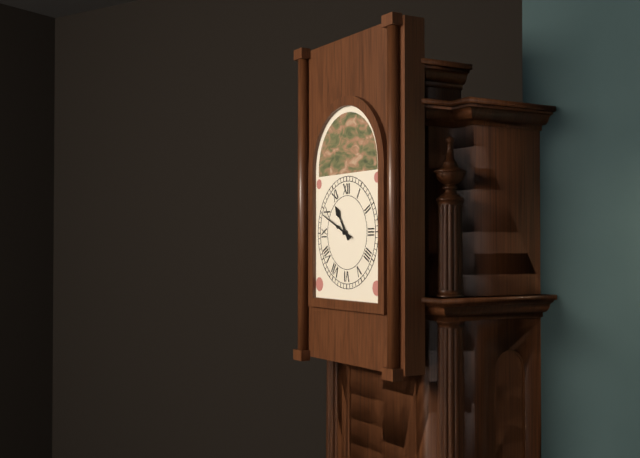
10h49
